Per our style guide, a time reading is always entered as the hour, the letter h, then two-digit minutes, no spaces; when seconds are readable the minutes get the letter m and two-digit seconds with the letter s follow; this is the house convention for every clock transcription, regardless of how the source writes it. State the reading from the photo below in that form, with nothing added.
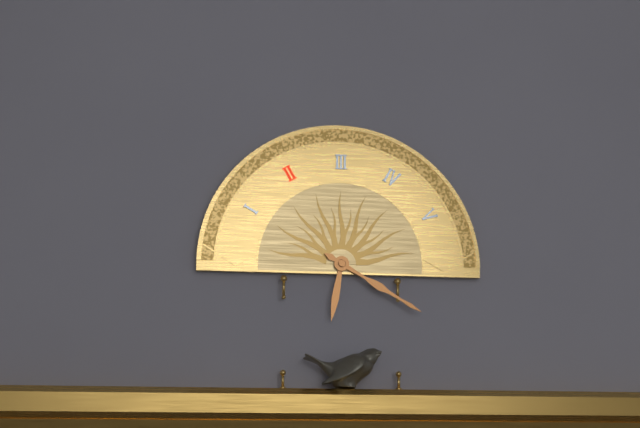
6h20
